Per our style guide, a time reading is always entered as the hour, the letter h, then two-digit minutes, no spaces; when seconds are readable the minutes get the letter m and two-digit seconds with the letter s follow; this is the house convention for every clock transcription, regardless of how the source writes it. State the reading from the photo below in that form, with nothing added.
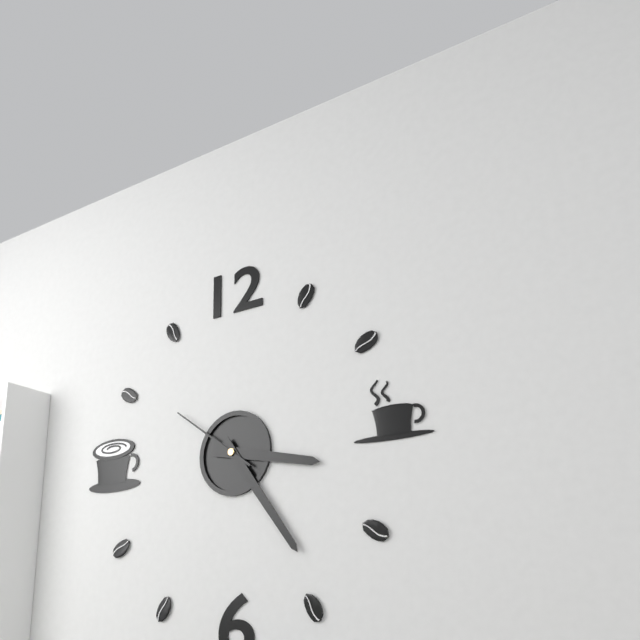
3h24m51s
